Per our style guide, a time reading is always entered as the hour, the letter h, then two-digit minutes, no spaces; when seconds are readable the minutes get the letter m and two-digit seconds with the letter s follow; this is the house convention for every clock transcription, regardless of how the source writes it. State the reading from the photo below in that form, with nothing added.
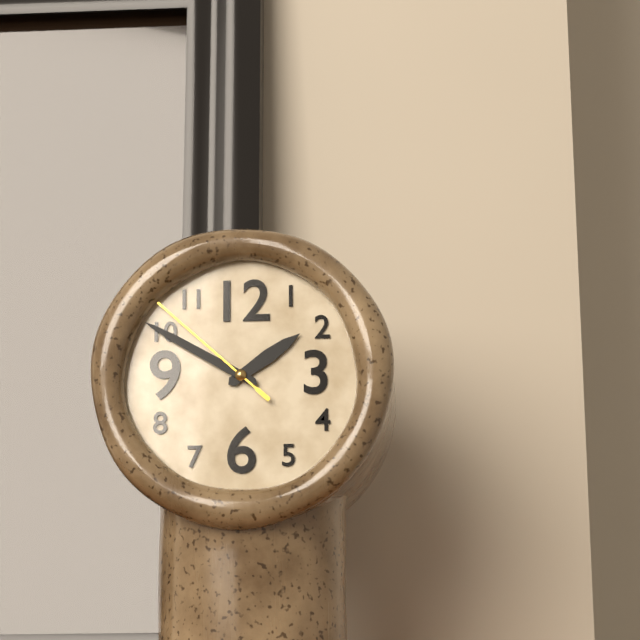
1h50m52s
